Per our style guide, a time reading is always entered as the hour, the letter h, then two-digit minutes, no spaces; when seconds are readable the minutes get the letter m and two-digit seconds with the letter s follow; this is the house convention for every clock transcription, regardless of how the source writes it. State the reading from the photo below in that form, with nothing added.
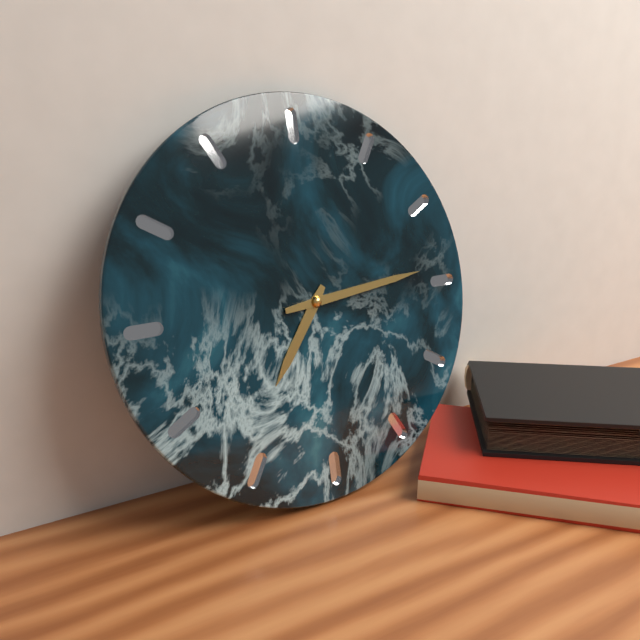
7h14
